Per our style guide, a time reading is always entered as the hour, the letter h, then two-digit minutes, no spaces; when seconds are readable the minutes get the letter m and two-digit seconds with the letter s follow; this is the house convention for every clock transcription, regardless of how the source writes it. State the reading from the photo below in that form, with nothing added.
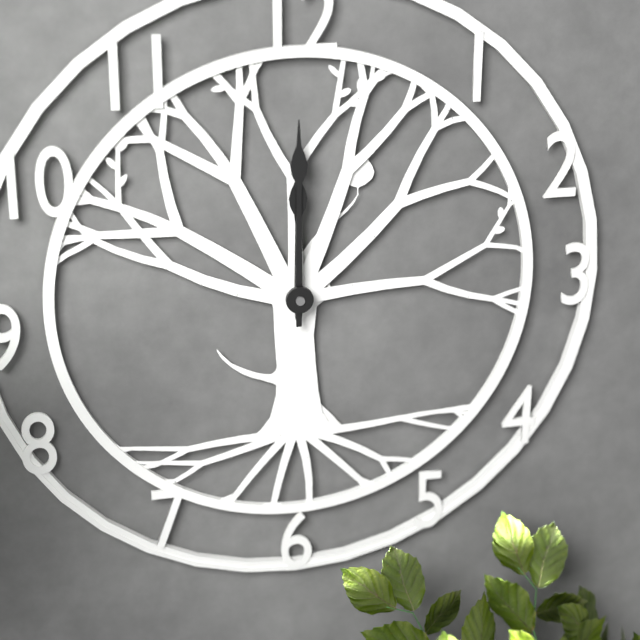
12h00
